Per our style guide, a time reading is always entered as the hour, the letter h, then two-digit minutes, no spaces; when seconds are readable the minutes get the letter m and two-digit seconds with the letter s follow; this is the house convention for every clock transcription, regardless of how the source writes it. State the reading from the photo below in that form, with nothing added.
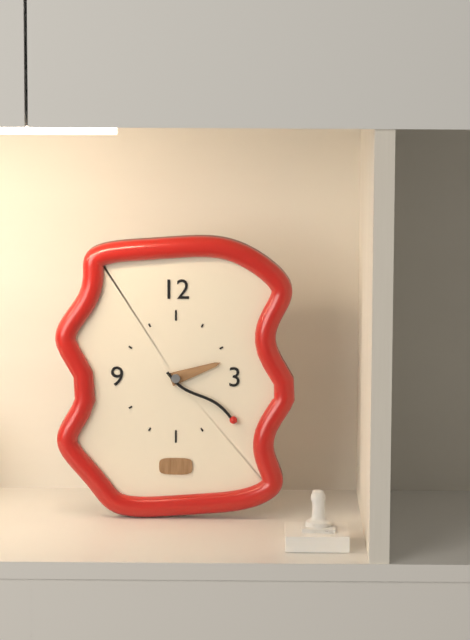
2h21
